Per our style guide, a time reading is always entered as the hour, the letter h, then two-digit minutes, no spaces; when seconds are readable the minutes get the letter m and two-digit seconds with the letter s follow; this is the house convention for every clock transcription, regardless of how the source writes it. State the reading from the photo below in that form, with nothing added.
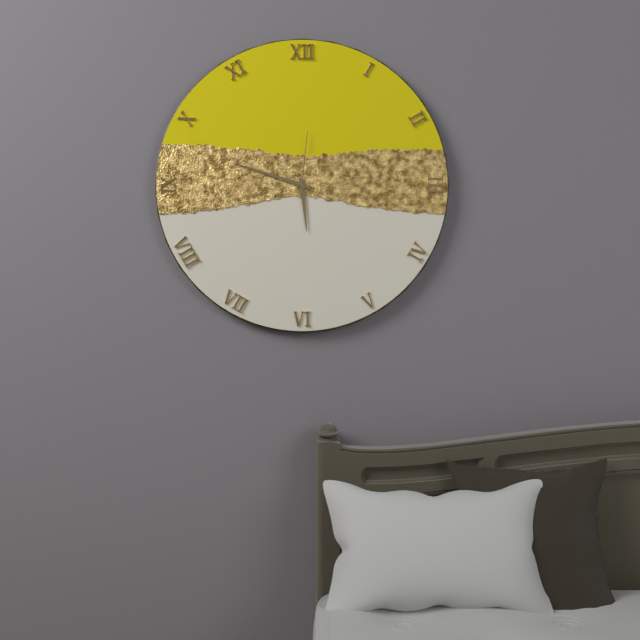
5h48m01s
